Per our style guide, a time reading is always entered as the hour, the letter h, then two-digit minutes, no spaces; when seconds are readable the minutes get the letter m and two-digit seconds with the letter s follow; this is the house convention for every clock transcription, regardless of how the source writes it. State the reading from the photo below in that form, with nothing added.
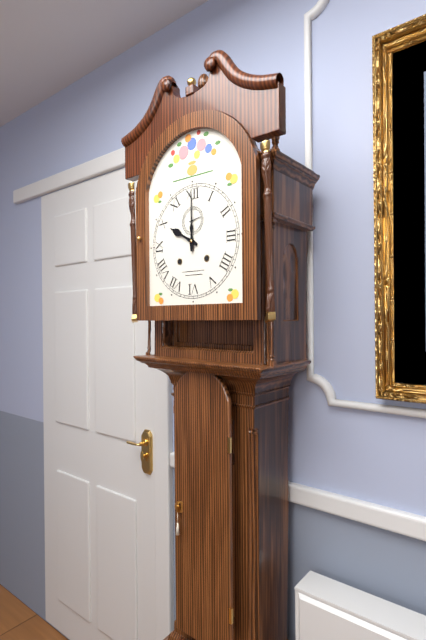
10h00
